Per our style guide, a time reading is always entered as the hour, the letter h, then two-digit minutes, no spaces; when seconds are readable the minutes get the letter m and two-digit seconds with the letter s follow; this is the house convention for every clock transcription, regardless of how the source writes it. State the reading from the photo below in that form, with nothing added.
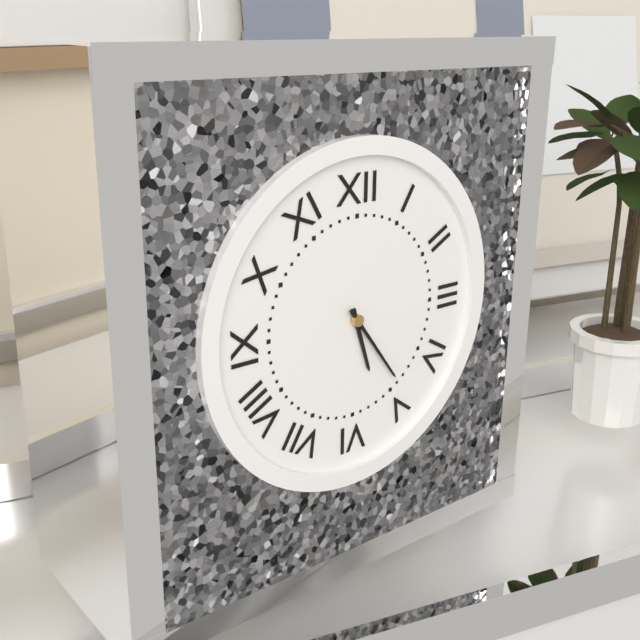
5h24
